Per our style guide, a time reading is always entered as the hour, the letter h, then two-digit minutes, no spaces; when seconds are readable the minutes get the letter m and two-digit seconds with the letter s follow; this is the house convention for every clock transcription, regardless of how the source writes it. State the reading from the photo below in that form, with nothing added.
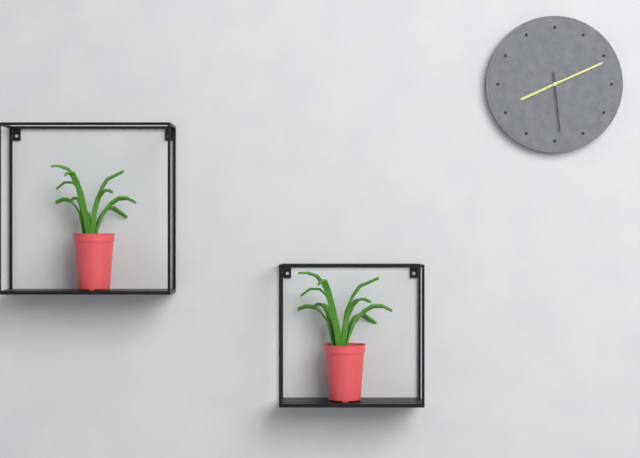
8h11m29s
